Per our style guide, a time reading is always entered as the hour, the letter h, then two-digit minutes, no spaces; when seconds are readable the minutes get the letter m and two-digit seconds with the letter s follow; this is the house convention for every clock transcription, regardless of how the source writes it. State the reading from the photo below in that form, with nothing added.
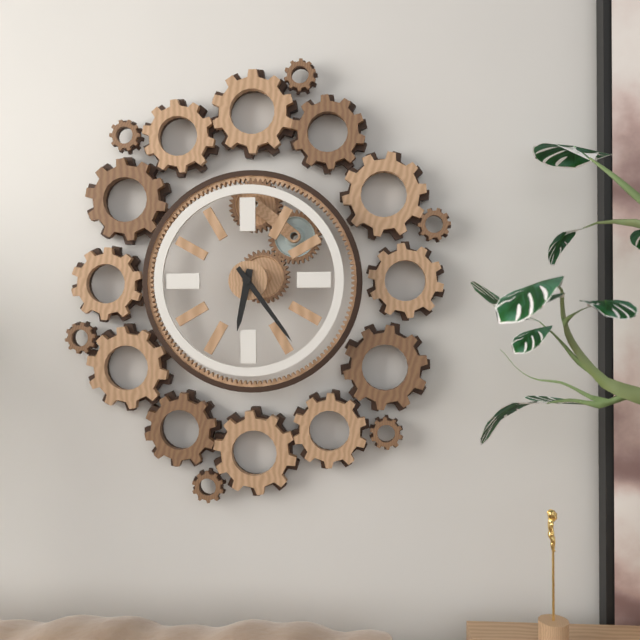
6h24
